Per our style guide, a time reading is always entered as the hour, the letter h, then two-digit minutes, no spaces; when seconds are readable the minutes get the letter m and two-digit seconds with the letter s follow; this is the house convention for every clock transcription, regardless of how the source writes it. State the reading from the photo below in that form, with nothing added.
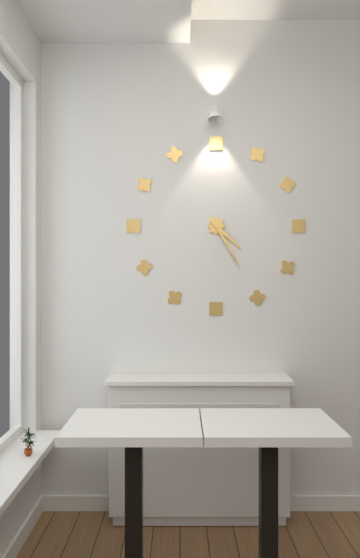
4h25
